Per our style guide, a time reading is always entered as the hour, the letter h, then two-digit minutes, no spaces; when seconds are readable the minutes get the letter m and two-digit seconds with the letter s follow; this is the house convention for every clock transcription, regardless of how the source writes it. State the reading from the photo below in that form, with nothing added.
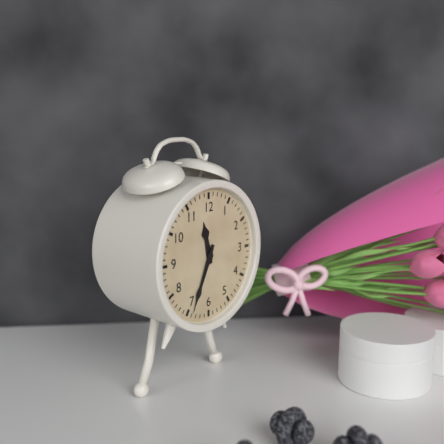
11h34
